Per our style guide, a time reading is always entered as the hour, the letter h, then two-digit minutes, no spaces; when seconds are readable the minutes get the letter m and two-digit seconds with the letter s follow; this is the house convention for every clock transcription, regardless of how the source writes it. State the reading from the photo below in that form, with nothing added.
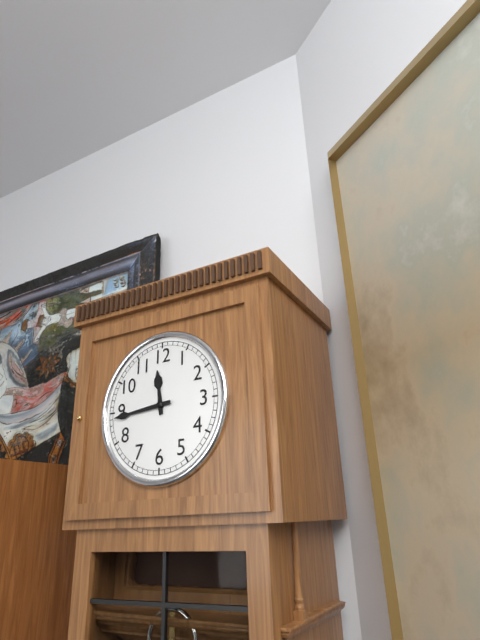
11h44
